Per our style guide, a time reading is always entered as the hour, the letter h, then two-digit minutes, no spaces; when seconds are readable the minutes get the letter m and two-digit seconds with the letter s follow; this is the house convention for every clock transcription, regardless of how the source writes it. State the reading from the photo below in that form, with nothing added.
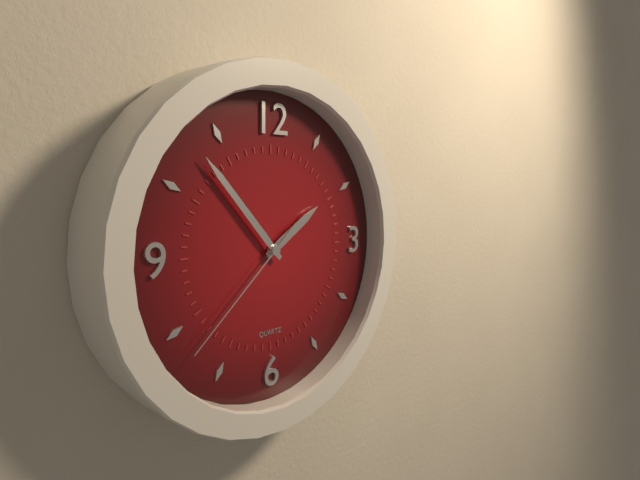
1h53m38s
